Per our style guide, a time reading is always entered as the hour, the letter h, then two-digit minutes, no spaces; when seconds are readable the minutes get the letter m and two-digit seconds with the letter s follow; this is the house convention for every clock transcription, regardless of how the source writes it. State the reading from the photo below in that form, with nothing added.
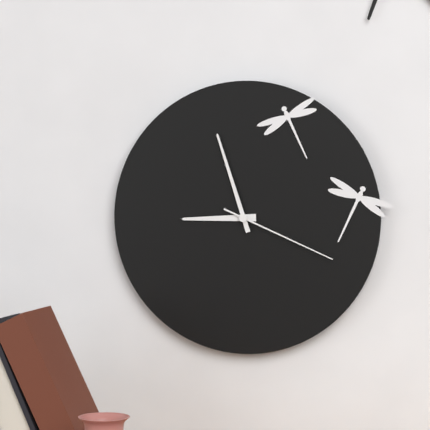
8h57m19s
